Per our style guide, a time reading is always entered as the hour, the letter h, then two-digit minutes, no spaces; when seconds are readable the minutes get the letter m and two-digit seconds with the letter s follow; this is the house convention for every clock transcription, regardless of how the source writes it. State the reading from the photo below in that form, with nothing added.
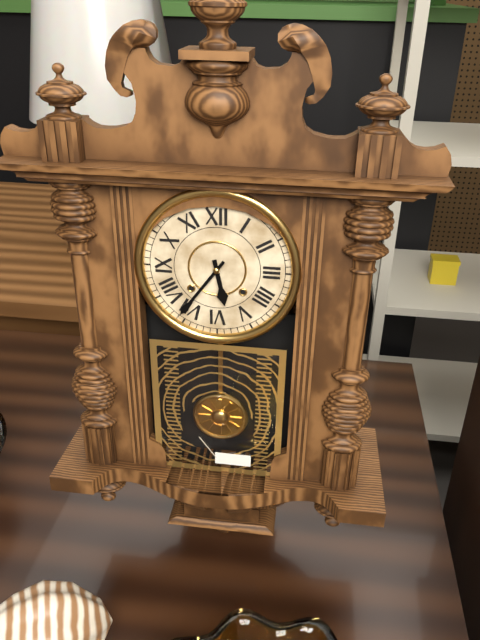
5h36
